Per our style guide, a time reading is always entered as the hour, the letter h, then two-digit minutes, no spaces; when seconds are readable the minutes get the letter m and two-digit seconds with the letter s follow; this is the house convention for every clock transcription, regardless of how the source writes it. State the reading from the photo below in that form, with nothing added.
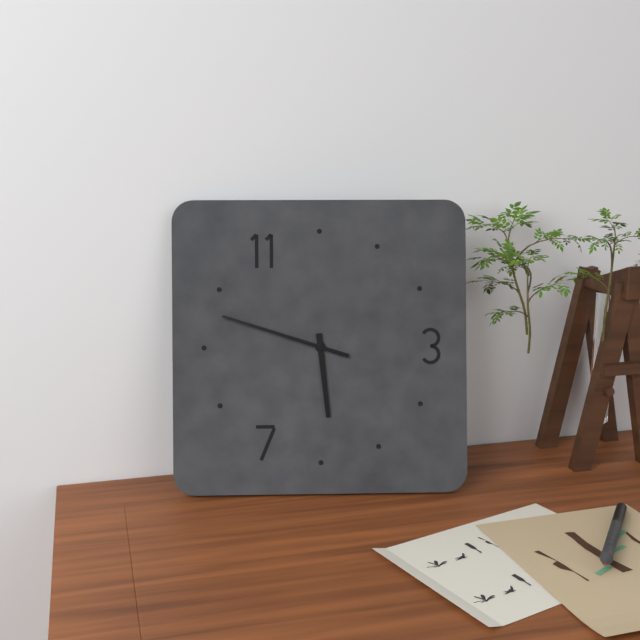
5h48
